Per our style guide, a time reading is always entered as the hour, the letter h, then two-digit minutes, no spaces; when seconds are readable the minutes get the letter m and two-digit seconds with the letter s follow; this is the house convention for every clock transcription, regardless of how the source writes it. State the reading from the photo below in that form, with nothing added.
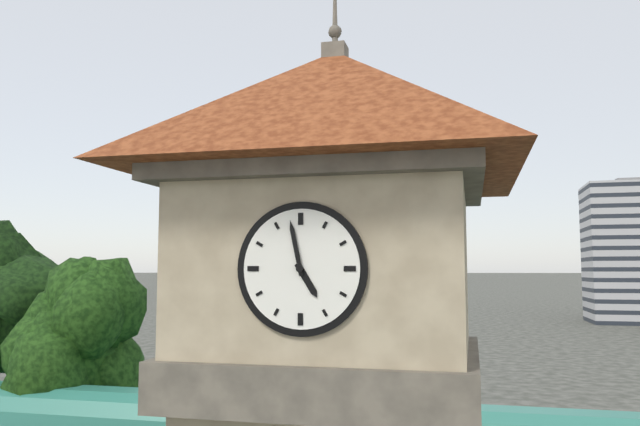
4h58
